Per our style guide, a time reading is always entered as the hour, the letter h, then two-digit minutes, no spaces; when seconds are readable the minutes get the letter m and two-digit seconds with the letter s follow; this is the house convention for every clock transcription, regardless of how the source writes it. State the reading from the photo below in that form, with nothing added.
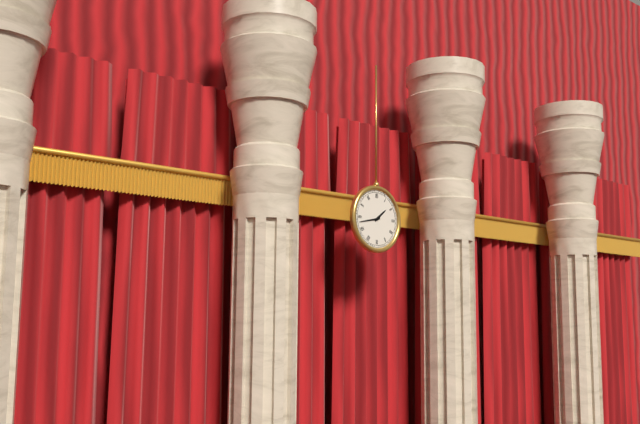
1h43
